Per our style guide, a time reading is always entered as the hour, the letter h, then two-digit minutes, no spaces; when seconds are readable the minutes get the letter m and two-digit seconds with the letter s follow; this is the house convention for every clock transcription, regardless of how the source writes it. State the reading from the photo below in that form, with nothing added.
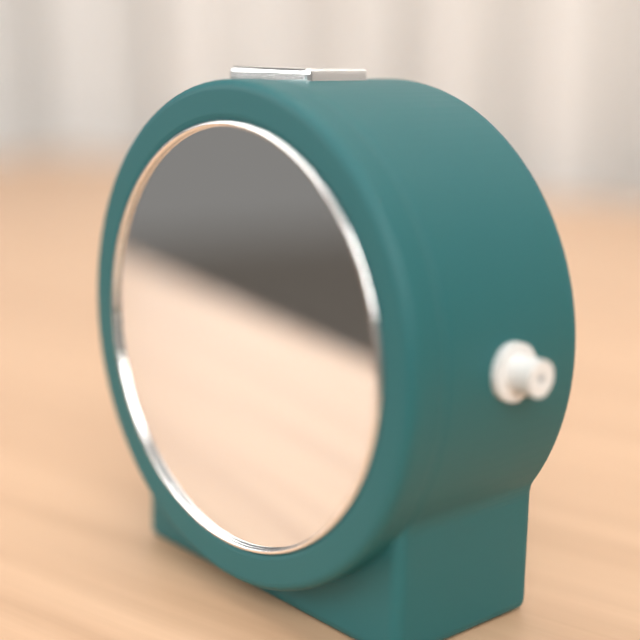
2h14m05s
